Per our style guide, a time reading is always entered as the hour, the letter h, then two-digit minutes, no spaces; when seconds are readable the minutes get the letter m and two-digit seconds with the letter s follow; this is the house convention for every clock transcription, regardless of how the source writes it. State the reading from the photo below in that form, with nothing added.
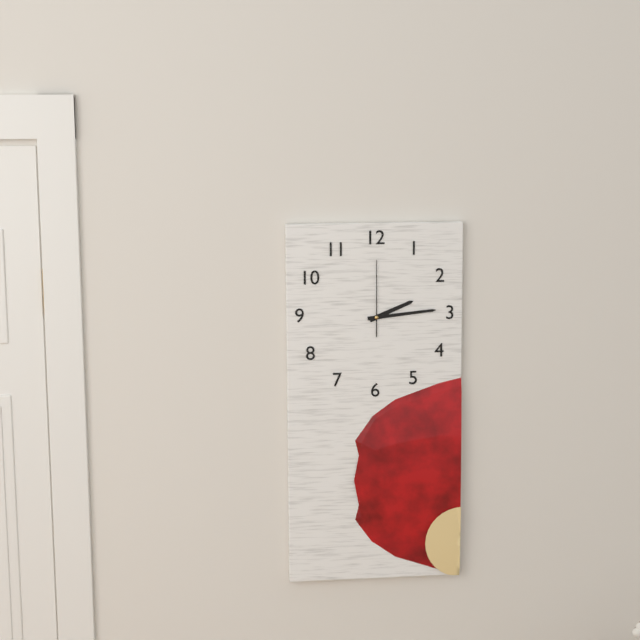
2h14m00s
